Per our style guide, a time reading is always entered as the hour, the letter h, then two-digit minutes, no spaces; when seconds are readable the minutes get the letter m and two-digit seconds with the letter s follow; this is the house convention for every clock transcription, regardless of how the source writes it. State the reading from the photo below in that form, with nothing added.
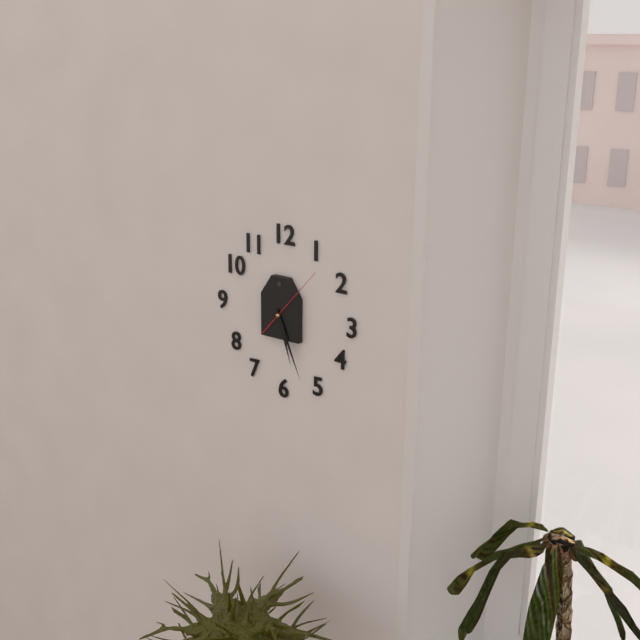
5h26m07s
